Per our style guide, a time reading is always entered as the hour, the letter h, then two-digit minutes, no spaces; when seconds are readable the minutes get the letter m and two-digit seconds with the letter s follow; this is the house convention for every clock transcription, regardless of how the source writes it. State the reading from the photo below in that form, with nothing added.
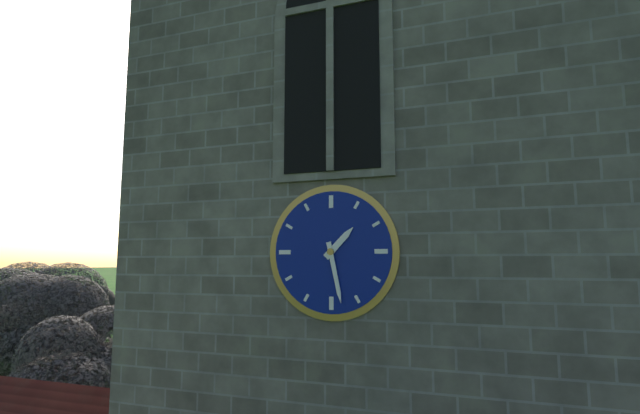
1h28
